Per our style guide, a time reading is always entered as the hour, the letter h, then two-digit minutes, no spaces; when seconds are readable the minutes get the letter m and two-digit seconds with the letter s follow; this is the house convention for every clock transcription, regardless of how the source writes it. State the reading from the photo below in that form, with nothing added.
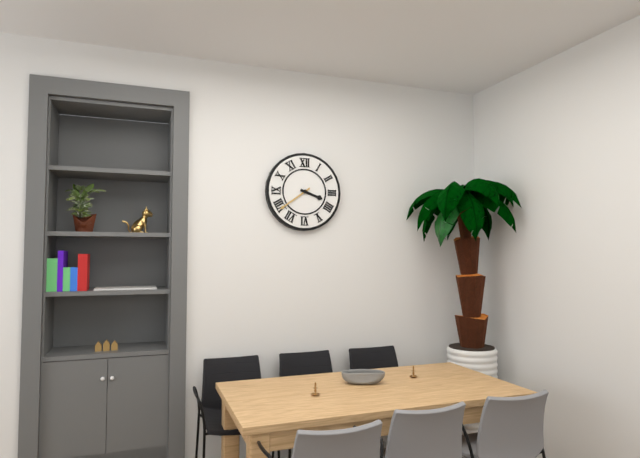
3h39
